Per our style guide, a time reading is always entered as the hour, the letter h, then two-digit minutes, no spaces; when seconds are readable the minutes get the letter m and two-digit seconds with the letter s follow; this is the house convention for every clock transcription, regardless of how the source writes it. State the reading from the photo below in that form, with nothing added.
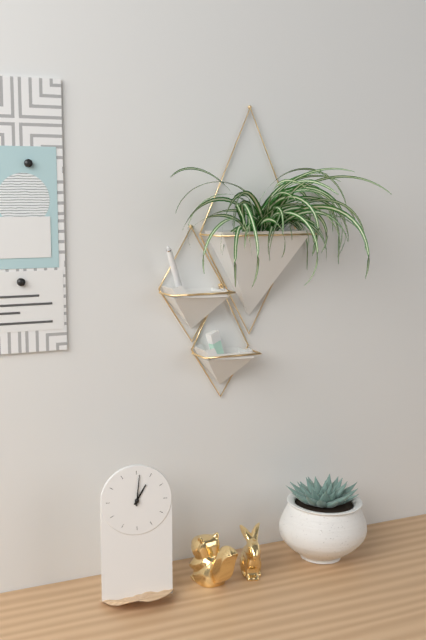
1h01
